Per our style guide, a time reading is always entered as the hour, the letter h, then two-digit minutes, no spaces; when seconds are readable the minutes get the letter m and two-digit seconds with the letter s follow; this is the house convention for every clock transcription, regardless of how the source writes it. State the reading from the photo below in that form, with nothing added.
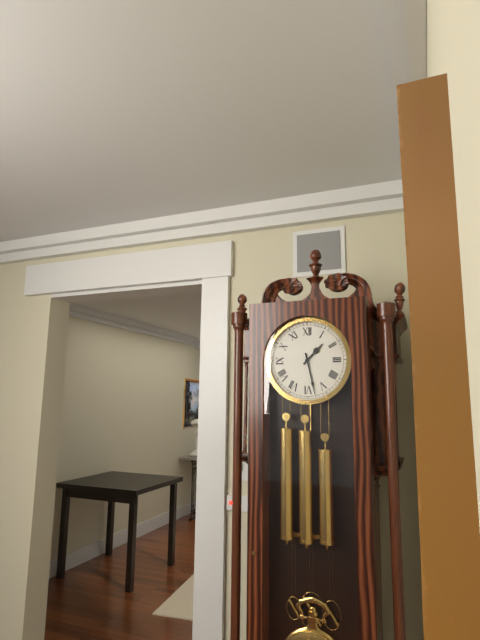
1h28
